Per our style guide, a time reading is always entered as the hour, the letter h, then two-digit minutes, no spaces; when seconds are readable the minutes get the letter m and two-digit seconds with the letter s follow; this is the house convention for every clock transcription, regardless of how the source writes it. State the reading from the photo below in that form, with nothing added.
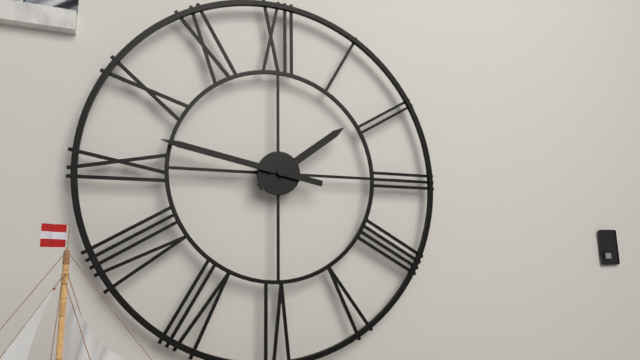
1h47
